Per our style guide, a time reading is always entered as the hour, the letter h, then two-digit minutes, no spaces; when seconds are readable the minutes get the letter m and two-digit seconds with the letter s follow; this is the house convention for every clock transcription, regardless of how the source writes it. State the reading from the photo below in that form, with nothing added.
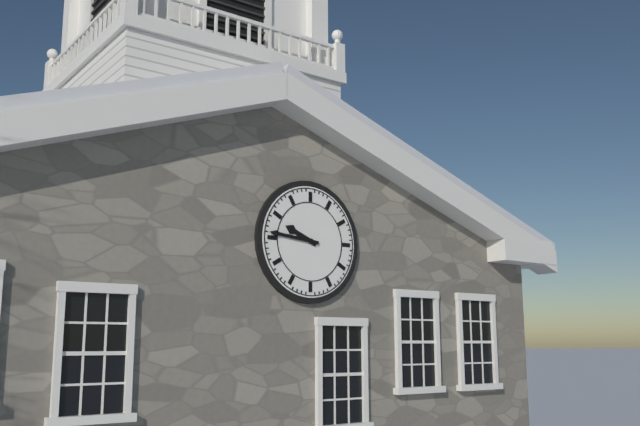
9h46
